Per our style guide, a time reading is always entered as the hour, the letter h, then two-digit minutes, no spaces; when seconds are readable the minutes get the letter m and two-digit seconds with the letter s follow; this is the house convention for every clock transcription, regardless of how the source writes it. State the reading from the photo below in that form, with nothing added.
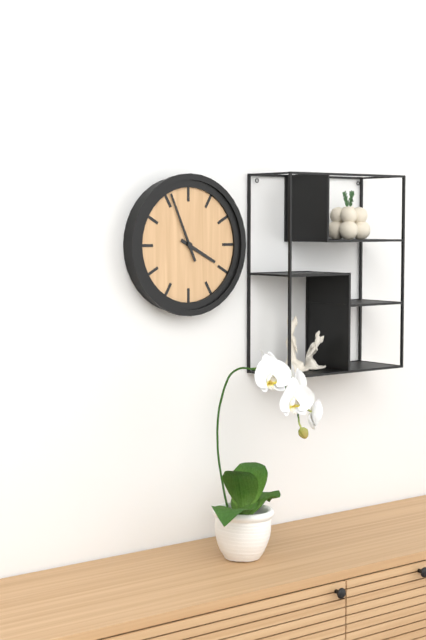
3h56
